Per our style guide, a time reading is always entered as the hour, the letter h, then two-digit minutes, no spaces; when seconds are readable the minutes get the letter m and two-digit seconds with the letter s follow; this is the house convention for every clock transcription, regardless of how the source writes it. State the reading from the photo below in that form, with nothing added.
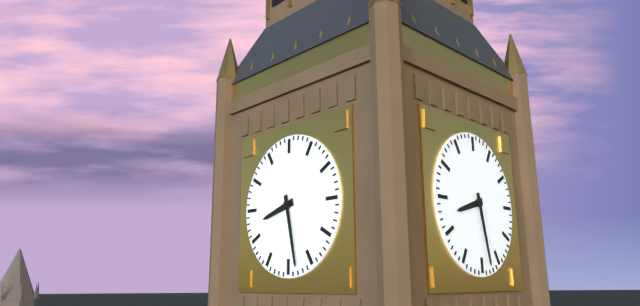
8h28
